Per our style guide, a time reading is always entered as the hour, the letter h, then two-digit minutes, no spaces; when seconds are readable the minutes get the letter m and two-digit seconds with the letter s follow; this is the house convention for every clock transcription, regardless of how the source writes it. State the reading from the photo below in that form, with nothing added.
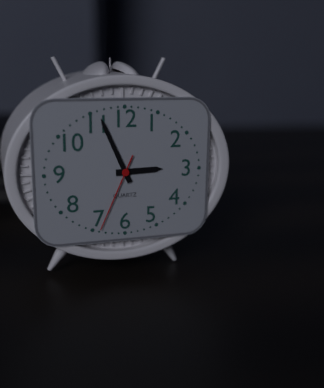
2h56m34s
